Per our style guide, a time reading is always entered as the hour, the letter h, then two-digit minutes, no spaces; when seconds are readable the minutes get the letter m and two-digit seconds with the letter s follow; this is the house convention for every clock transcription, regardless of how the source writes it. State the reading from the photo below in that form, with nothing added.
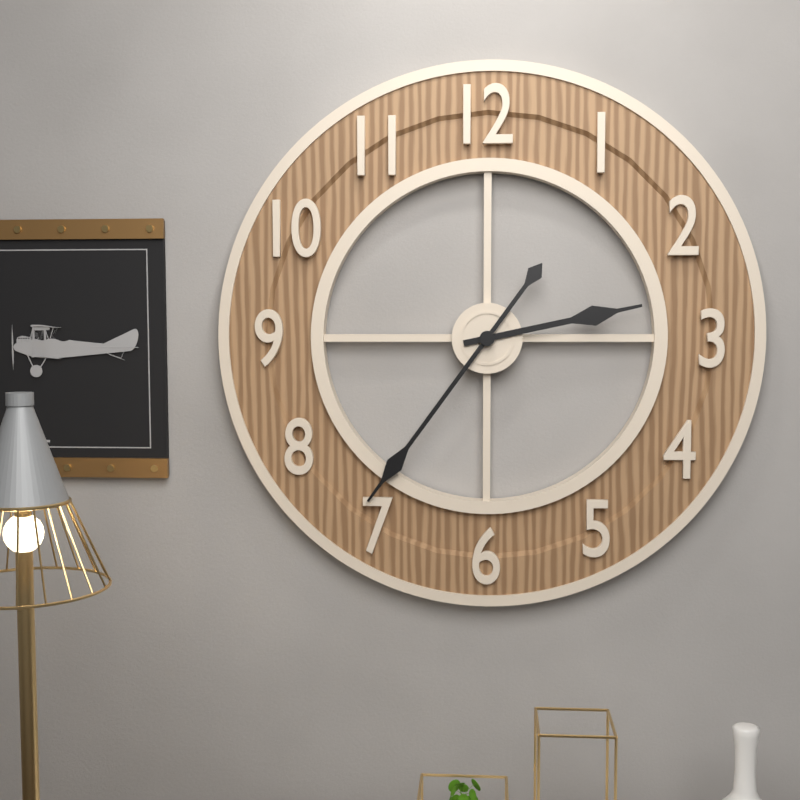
2h36
